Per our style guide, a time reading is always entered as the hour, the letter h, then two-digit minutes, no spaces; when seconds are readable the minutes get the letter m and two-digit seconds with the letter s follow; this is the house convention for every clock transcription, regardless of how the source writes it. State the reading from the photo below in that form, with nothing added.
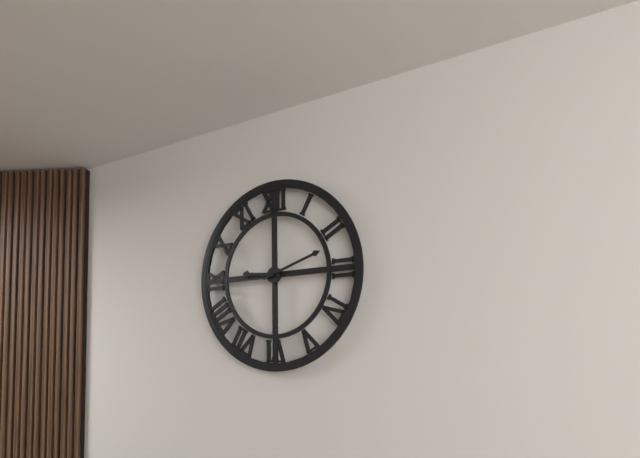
9h12
